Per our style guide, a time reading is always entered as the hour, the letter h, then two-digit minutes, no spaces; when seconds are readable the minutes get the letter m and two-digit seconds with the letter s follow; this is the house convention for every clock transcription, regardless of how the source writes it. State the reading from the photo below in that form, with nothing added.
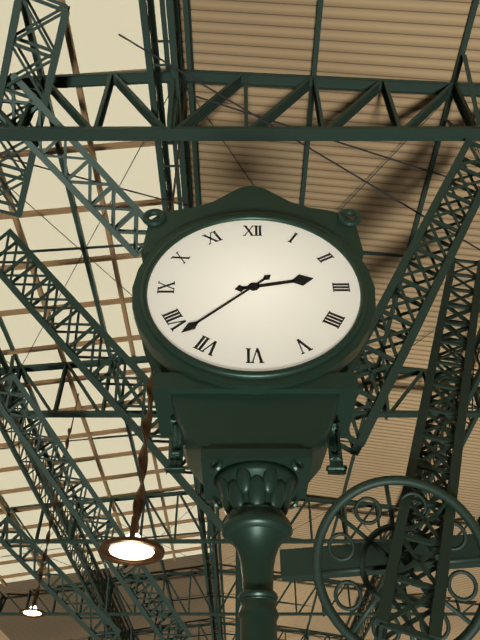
2h38
